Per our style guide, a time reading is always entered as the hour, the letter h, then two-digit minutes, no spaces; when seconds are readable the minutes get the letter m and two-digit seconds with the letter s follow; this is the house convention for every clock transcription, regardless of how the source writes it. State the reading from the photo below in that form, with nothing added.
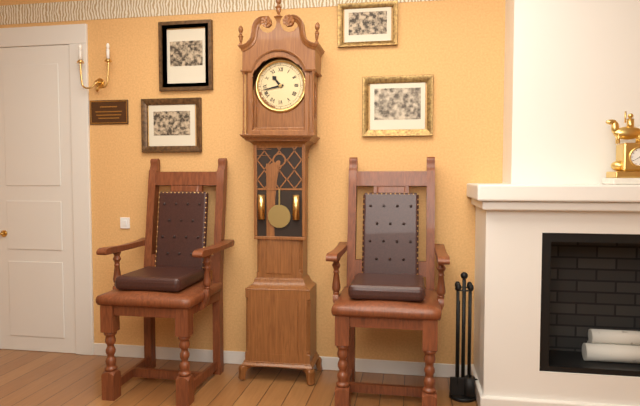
10h43
